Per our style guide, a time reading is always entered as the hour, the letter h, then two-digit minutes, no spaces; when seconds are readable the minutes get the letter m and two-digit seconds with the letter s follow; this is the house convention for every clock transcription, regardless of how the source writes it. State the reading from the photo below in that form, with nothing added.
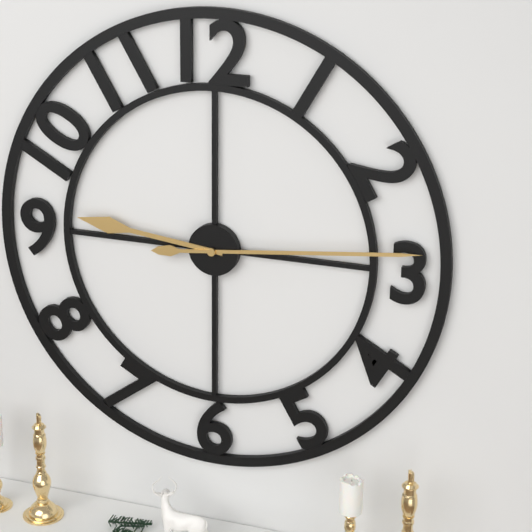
9h14
